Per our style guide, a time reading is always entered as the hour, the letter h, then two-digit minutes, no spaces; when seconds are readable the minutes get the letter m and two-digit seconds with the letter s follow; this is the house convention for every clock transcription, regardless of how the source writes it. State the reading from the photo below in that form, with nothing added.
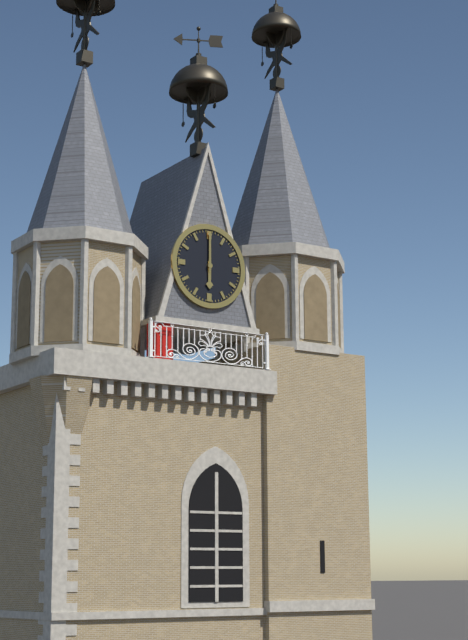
6h00
